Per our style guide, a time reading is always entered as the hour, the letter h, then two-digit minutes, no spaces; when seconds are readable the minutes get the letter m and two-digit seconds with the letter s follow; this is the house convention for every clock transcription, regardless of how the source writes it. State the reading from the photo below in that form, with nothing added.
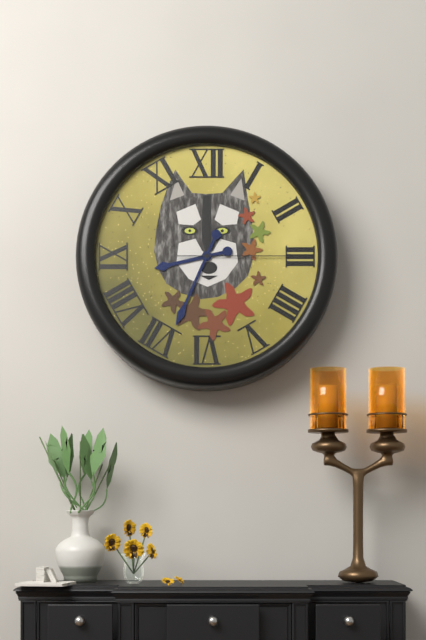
8h34m15s
